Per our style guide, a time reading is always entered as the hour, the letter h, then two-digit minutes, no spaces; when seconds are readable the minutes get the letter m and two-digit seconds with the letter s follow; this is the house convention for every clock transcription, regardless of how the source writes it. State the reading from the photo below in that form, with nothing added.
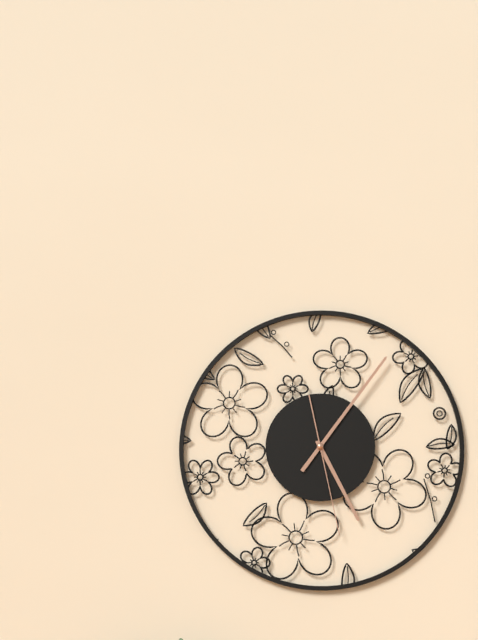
5h06m28s
